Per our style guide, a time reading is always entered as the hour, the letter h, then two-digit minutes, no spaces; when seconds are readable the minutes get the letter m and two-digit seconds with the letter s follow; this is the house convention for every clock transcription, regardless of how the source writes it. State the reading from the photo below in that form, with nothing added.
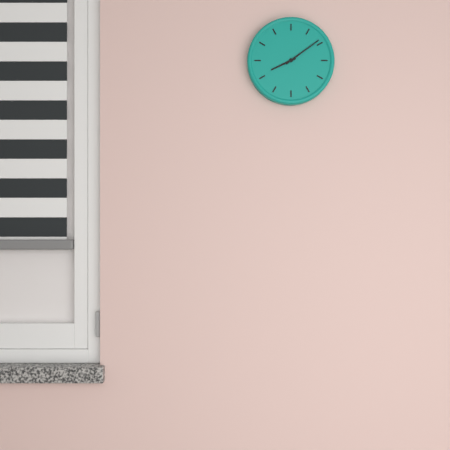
8h09
